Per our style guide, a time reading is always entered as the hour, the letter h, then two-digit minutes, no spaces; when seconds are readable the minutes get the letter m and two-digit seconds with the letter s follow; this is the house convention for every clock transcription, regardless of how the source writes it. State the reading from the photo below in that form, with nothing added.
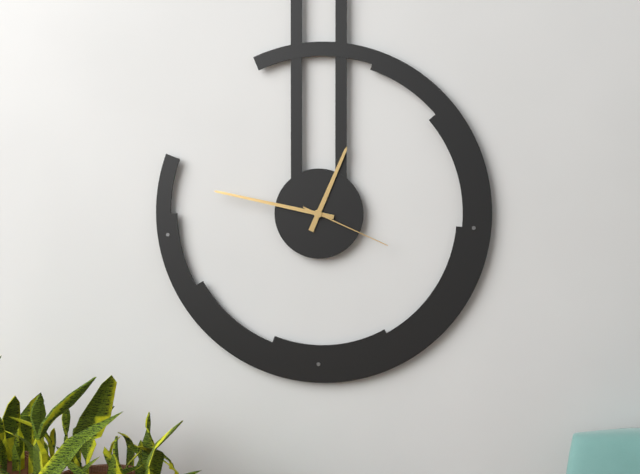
12h47m19s
